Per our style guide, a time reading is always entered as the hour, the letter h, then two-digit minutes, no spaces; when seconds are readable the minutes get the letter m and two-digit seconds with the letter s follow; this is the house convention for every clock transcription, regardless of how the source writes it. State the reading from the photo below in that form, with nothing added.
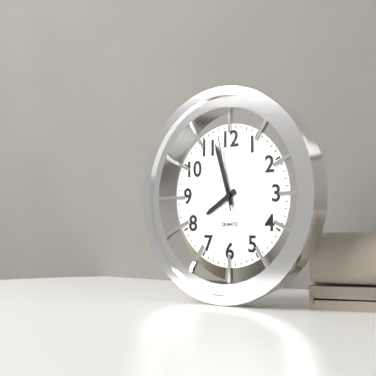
7h57m58s
